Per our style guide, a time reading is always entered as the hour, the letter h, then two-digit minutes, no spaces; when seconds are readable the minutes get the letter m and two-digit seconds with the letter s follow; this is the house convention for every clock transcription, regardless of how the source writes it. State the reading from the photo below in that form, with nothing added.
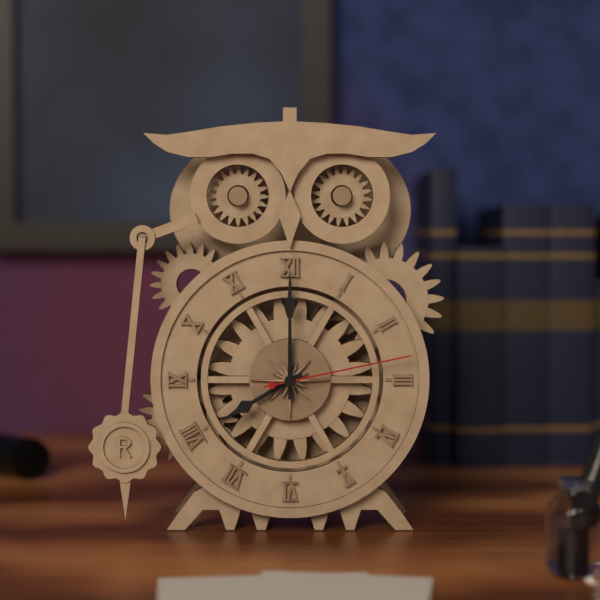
8h00m13s
